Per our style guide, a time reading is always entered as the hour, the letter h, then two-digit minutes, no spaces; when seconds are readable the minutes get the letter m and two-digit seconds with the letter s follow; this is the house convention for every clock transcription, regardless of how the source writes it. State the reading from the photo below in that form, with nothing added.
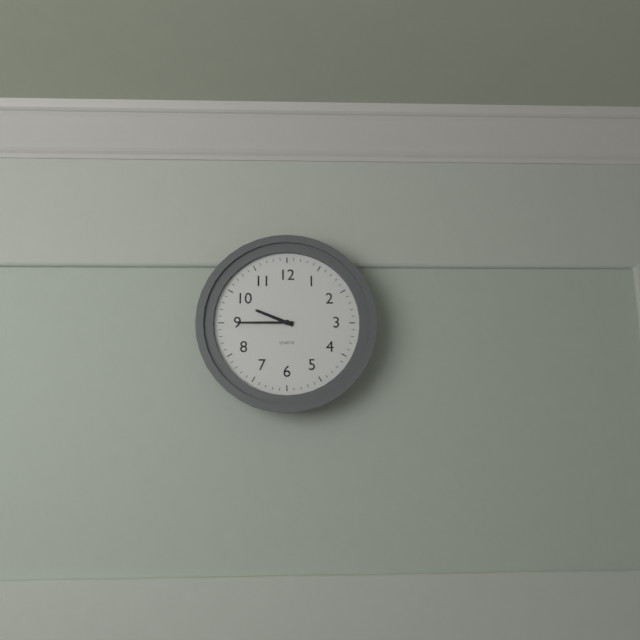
9h45
